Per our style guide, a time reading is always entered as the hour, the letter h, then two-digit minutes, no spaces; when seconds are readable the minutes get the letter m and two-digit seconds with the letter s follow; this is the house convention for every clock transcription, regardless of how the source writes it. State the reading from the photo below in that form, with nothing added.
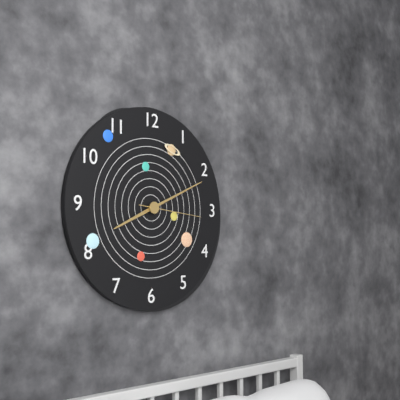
8h11m16s
